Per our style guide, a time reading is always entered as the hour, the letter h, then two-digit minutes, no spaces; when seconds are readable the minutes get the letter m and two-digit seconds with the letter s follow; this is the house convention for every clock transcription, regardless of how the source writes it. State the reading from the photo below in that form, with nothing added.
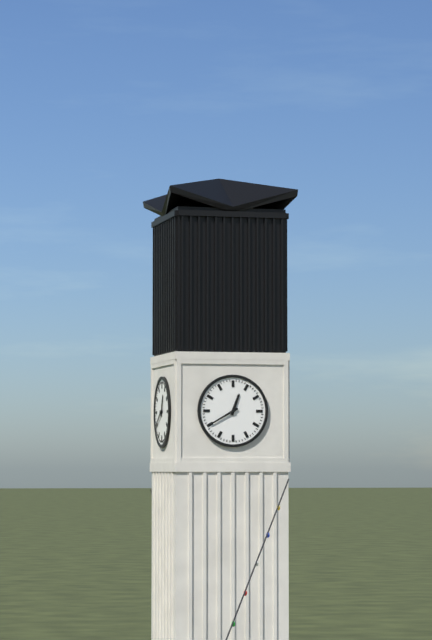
12h40
